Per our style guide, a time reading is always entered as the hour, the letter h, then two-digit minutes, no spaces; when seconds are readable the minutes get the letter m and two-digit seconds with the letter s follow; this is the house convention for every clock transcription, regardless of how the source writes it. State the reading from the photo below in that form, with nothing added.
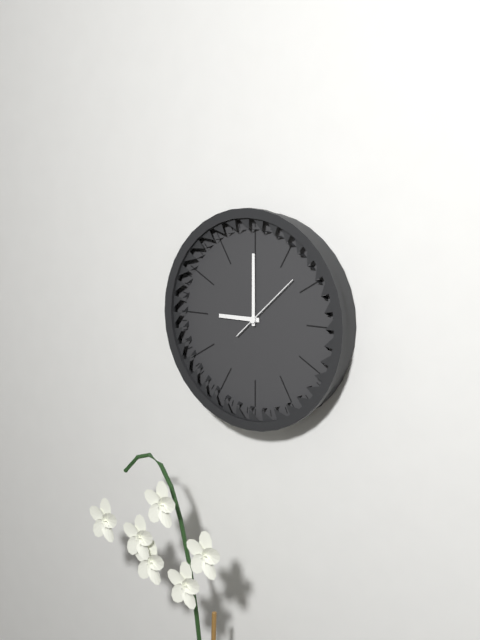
9h00m08s
